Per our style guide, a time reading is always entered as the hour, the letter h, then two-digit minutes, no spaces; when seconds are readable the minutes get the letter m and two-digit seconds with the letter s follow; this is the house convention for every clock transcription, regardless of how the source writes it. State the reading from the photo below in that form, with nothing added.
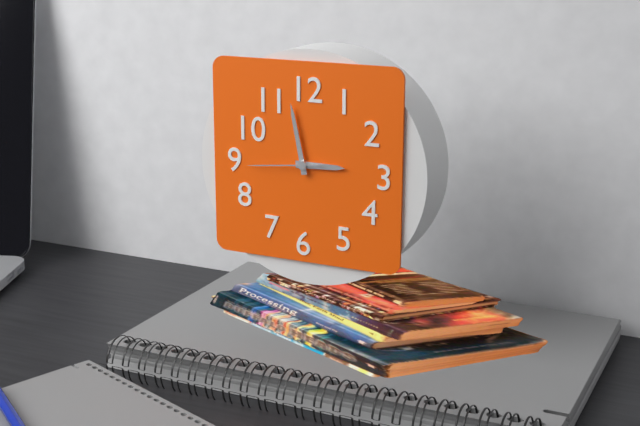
2h58m44s
